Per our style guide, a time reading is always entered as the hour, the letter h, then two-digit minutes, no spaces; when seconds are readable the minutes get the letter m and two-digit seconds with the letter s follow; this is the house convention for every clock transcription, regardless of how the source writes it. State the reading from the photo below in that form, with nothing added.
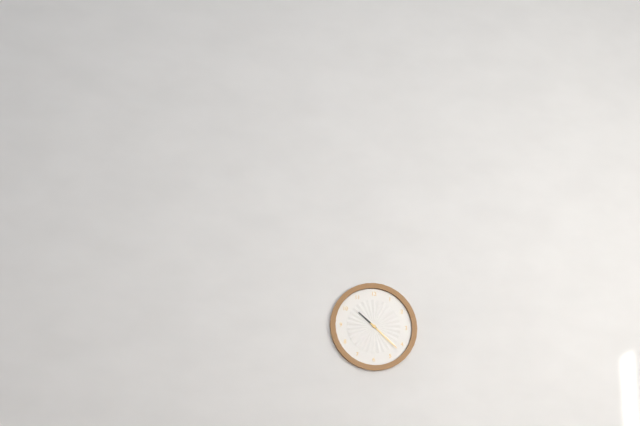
10h22
